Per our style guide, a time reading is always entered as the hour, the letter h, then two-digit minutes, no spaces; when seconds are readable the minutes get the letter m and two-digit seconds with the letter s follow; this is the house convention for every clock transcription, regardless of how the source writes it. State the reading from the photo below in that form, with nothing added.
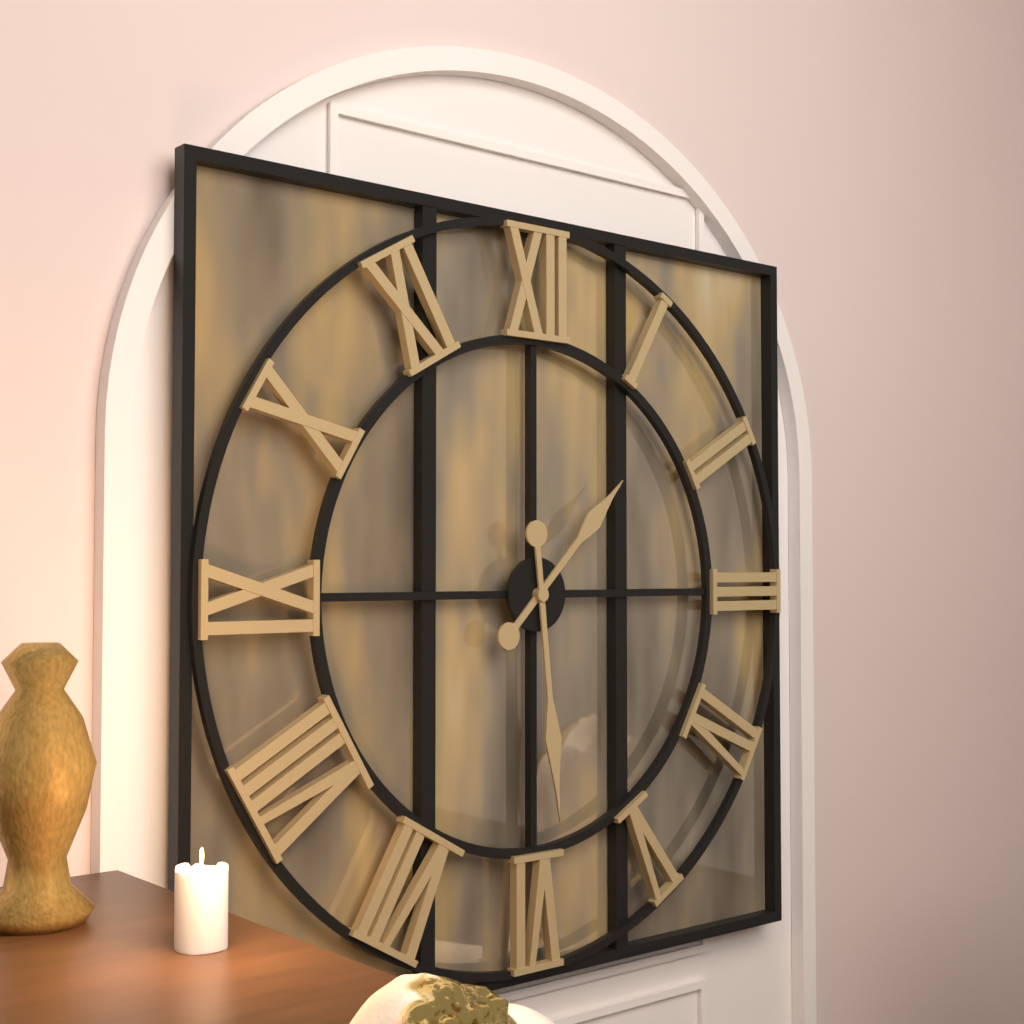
1h29
